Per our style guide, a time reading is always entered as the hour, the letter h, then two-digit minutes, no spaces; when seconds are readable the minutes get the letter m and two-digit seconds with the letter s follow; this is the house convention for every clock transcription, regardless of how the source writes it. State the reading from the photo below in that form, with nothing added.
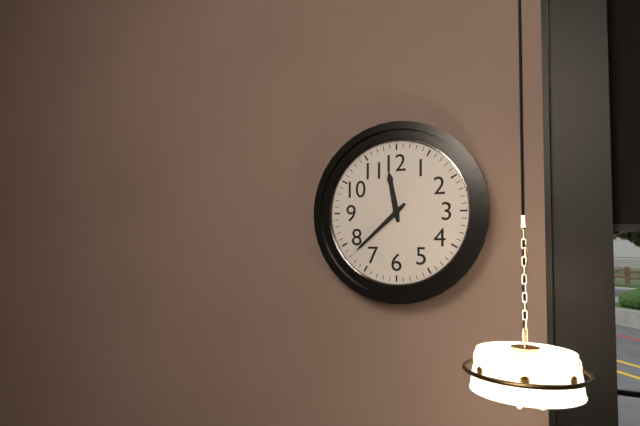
11h38
